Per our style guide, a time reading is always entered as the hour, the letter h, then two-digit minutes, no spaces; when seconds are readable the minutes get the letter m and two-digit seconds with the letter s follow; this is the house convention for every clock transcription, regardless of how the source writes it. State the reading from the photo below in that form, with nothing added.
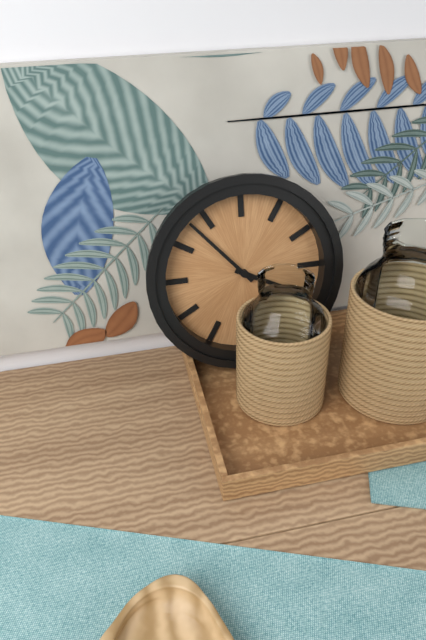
3h53
